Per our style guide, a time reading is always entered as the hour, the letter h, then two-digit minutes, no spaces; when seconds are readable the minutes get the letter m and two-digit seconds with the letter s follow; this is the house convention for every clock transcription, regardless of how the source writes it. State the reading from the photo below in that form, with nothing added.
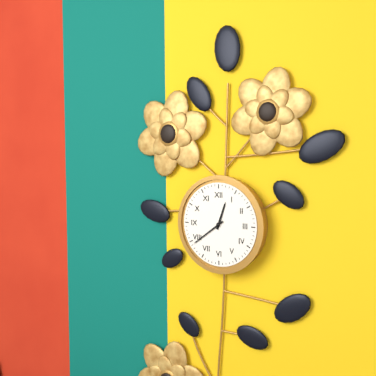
12h39
